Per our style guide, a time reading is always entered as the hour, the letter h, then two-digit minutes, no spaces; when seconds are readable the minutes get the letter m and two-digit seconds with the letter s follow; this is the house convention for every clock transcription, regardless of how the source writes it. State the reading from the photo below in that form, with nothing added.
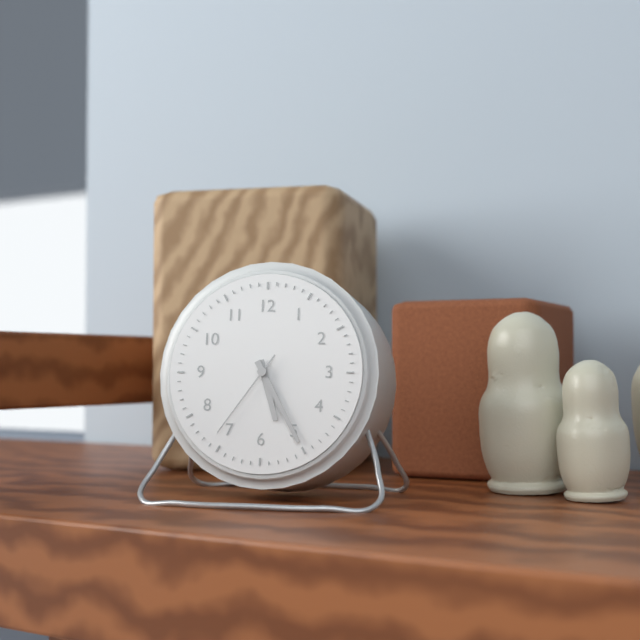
5h25m36s
